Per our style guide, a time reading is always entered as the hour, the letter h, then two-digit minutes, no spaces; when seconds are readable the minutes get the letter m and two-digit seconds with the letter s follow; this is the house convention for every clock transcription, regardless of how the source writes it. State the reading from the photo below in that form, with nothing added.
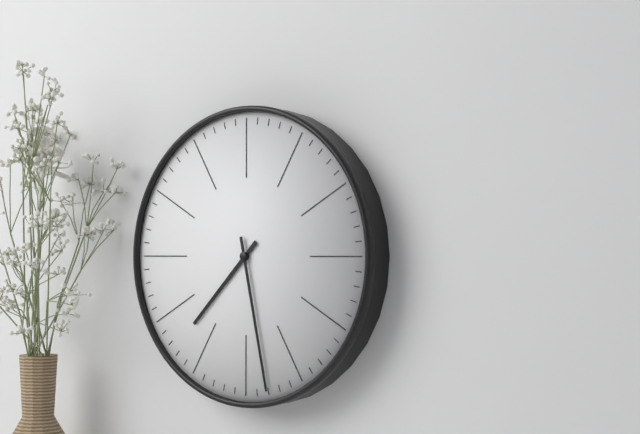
7h28
